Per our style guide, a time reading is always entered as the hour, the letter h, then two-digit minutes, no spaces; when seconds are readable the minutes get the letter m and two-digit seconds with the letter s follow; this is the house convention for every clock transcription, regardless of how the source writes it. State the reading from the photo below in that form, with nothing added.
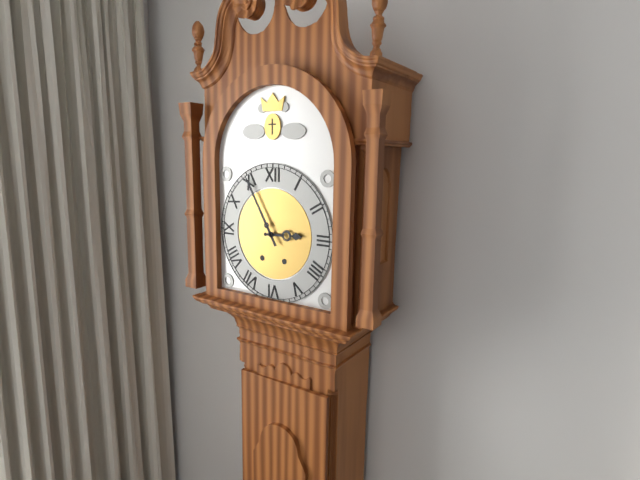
2h55
